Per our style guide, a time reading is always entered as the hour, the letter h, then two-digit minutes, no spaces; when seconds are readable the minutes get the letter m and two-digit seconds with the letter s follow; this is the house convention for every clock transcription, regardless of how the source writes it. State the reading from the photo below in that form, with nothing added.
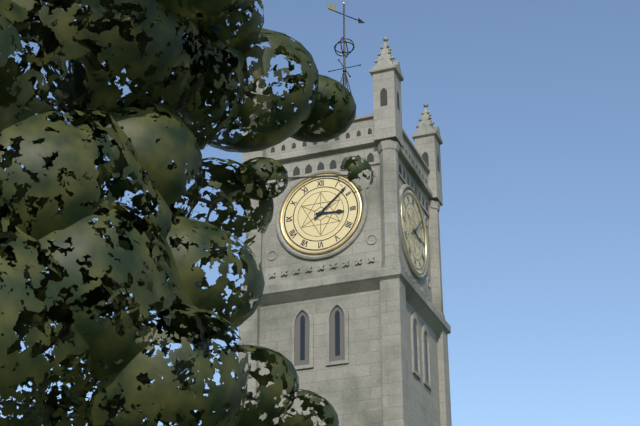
3h08
